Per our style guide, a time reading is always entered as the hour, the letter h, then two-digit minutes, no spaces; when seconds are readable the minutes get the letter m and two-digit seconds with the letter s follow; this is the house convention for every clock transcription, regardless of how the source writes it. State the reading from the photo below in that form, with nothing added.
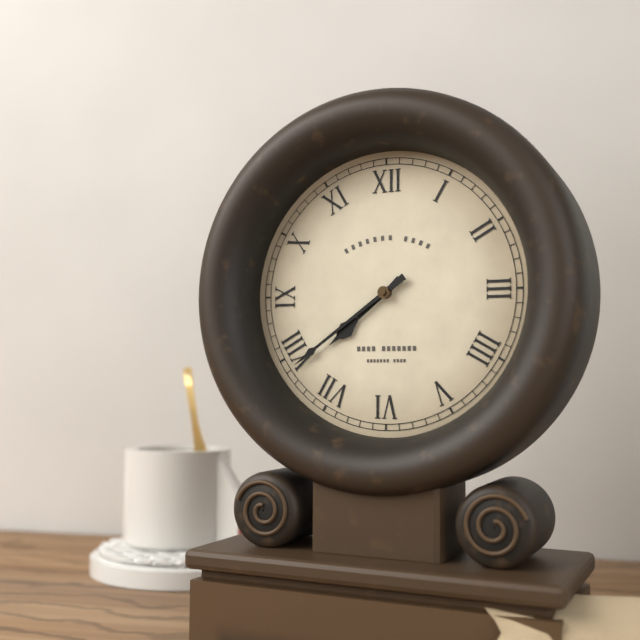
7h39
